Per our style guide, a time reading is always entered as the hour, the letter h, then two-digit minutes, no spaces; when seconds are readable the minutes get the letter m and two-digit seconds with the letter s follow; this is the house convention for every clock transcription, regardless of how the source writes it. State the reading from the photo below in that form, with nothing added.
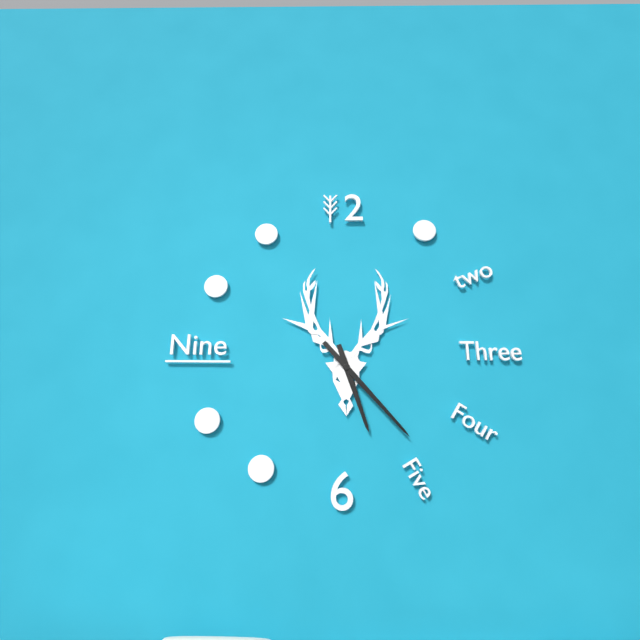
5h23
